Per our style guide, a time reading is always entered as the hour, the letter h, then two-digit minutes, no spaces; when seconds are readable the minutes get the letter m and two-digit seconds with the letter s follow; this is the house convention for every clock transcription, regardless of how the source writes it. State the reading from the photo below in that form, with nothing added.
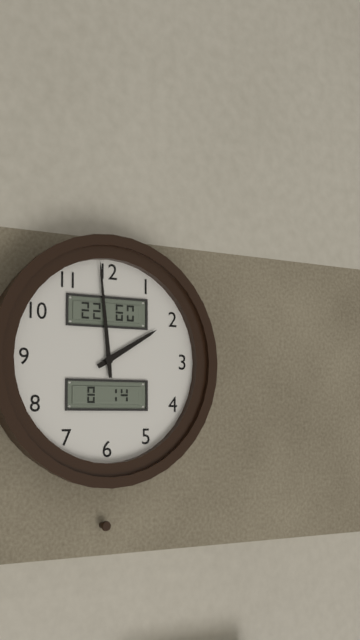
1h59
